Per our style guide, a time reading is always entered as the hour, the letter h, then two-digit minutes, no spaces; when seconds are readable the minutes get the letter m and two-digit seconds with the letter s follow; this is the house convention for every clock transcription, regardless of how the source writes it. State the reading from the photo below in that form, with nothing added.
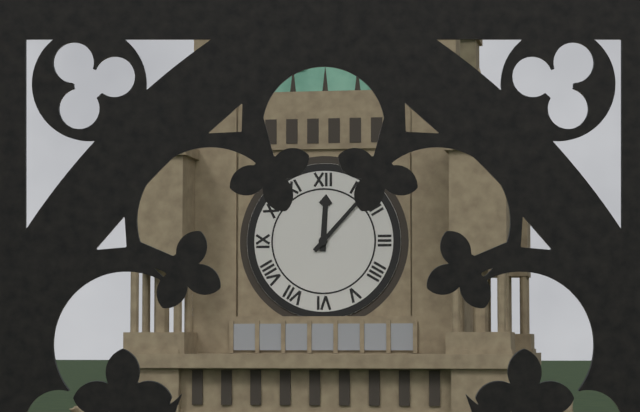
12h07
